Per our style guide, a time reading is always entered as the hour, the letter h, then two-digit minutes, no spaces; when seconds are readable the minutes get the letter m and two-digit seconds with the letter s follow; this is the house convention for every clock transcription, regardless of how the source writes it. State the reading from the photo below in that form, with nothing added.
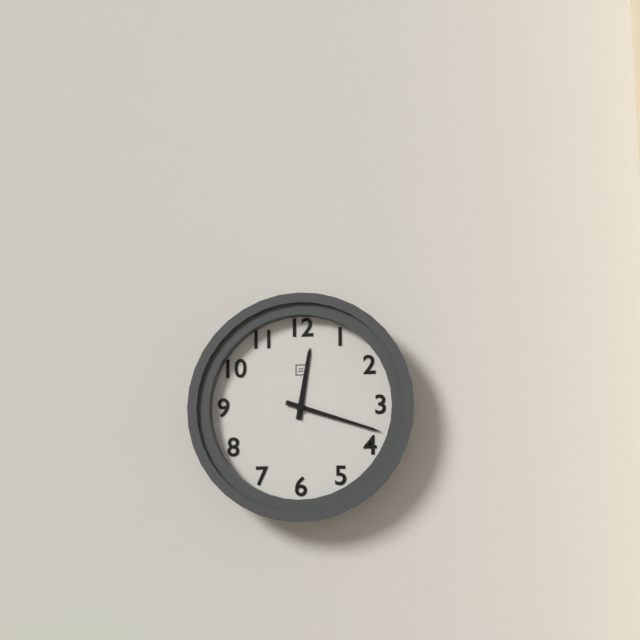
12h18
